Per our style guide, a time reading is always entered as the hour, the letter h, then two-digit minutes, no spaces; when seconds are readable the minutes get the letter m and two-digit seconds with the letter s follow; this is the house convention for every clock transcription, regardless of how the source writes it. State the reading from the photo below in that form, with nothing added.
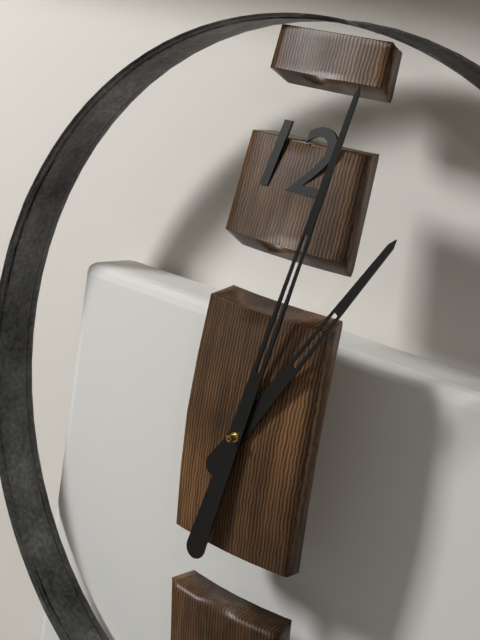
1h02
